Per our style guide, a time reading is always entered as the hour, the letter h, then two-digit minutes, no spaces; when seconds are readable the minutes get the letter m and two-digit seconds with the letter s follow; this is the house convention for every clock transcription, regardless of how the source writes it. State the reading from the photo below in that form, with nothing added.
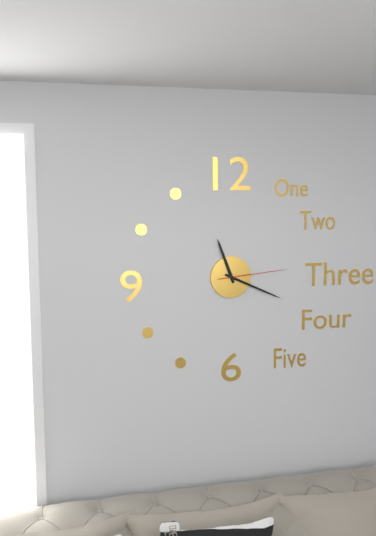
11h19m14s
